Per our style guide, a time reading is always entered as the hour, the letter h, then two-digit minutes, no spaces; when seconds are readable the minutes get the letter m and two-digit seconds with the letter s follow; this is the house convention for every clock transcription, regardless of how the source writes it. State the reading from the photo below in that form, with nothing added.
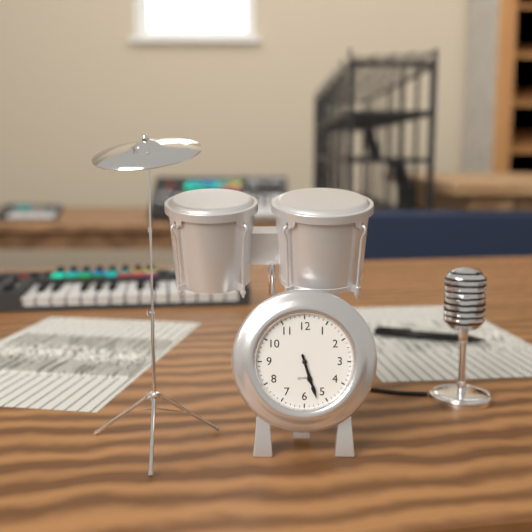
5h27
